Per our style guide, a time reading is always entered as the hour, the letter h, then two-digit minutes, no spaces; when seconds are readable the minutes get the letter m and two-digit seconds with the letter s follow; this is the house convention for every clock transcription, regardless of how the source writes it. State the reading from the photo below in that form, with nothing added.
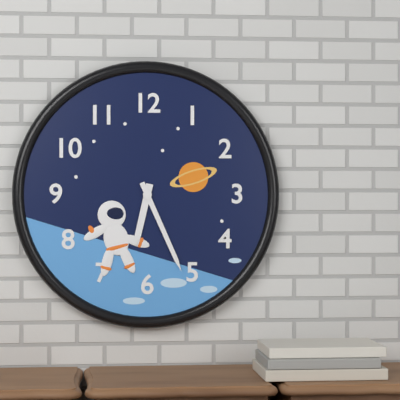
6h26
